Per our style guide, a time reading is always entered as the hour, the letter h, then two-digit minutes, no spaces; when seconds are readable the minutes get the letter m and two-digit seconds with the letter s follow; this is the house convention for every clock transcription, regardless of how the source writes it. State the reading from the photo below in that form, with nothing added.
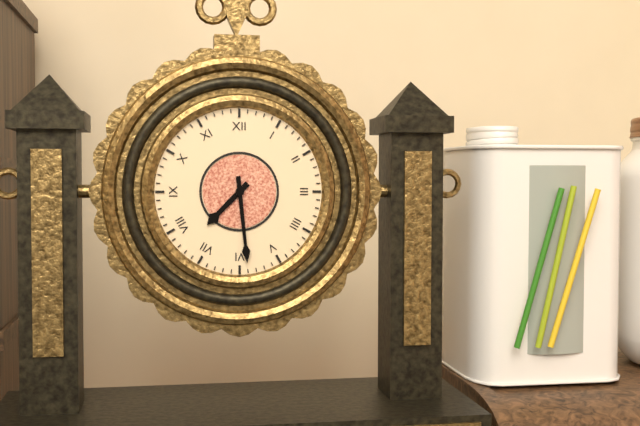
7h29
